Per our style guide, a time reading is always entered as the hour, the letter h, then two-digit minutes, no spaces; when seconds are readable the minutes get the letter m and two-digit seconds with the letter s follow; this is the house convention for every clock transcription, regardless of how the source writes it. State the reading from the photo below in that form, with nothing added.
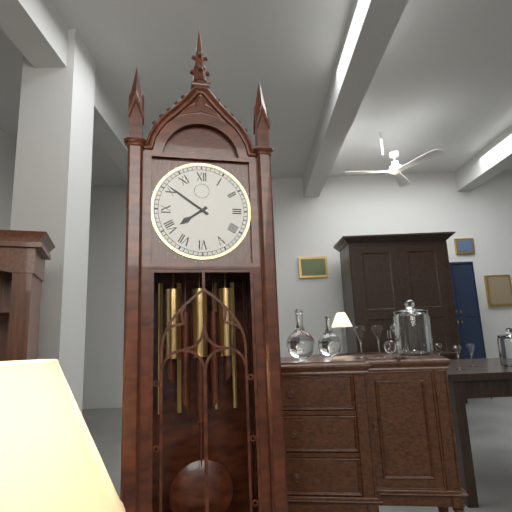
7h51
